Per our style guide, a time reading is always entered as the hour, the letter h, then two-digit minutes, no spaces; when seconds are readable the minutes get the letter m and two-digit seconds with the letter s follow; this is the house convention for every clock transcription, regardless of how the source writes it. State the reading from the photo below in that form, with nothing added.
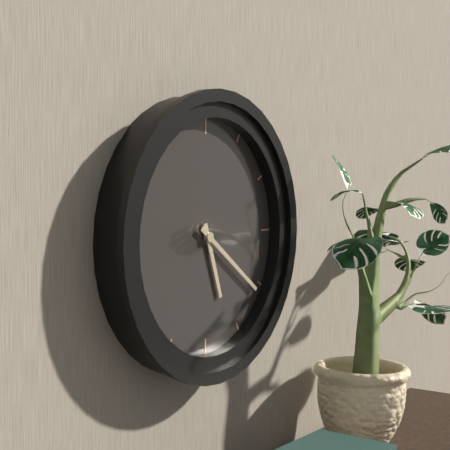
5h21
